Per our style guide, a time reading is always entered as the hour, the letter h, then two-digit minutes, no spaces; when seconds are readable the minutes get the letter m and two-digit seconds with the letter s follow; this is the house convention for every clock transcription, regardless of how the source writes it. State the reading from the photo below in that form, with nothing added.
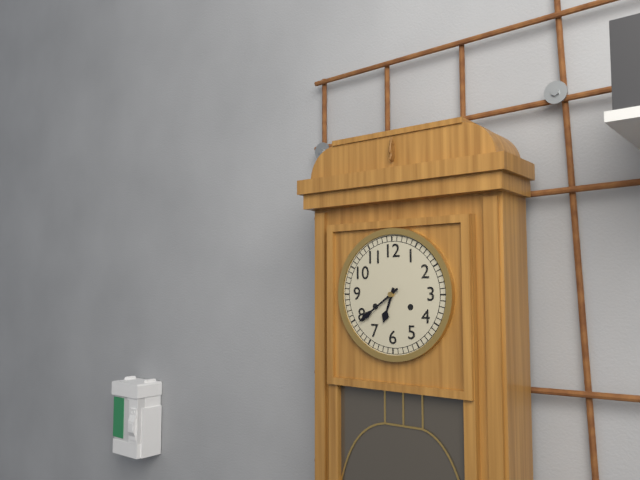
6h39
